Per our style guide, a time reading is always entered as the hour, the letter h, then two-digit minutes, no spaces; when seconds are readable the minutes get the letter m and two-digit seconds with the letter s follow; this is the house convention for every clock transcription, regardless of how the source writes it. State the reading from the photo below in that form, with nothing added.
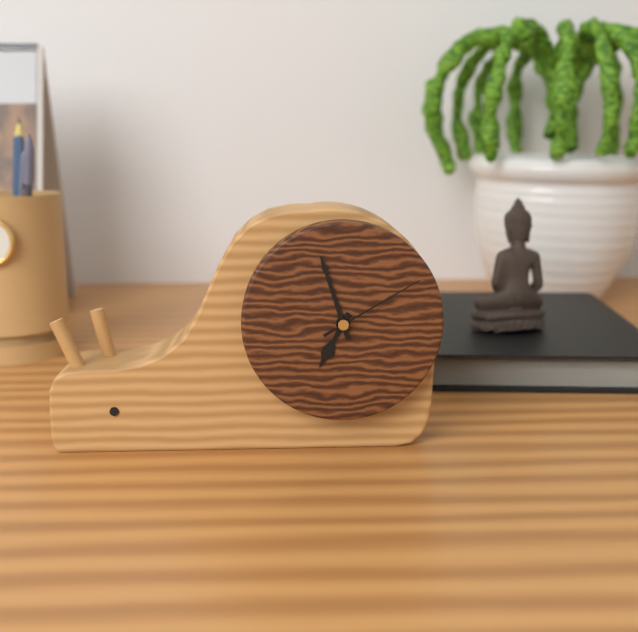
6h57m10s
